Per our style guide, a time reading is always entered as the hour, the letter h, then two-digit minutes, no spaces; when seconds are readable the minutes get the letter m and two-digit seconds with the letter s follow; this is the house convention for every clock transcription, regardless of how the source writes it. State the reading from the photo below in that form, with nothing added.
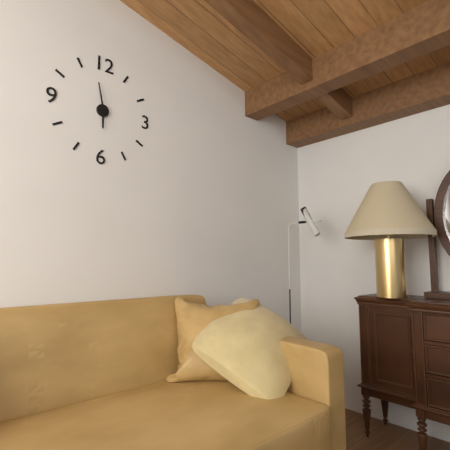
5h58
